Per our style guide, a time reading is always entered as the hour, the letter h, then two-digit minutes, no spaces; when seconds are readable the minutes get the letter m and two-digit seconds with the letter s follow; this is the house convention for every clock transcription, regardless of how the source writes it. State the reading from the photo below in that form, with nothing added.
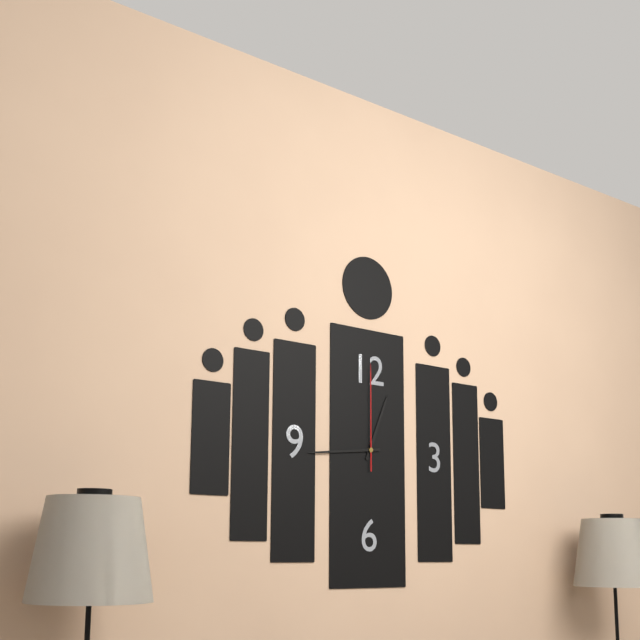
12h44m00s
